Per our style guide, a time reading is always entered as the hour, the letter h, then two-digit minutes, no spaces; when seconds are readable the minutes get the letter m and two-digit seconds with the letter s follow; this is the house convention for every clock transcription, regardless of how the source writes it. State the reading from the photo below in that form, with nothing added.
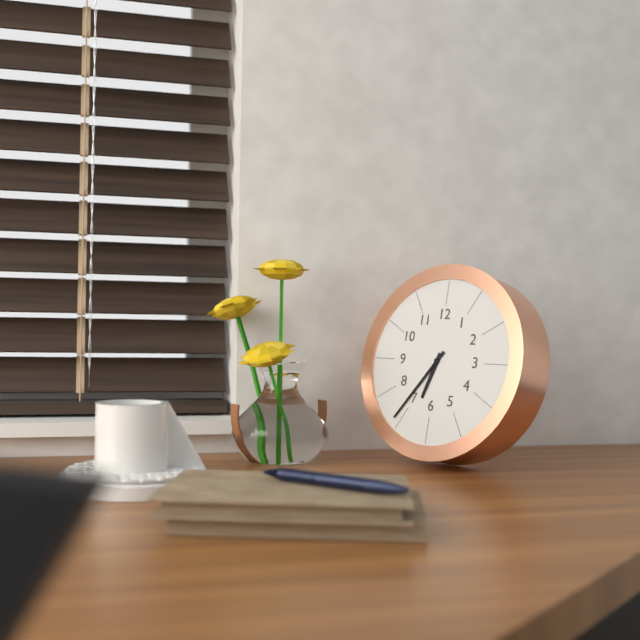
6h36
